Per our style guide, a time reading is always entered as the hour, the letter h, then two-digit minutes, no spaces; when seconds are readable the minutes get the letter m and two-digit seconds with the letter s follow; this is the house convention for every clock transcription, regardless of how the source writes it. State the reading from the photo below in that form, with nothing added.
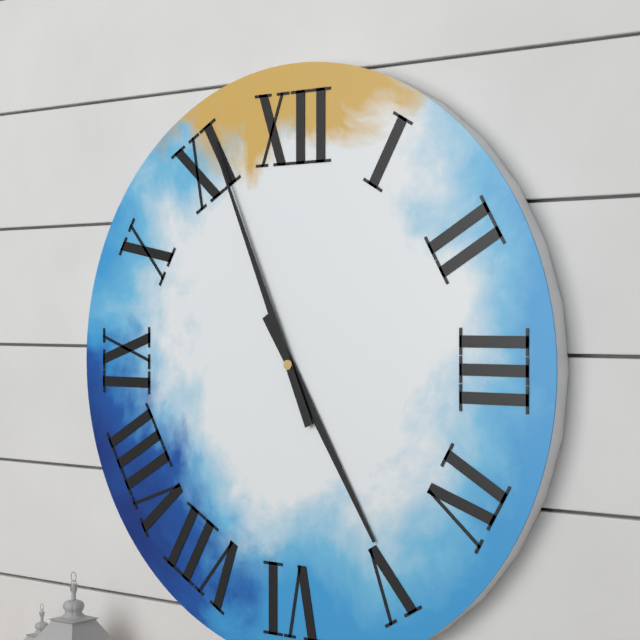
4h56
